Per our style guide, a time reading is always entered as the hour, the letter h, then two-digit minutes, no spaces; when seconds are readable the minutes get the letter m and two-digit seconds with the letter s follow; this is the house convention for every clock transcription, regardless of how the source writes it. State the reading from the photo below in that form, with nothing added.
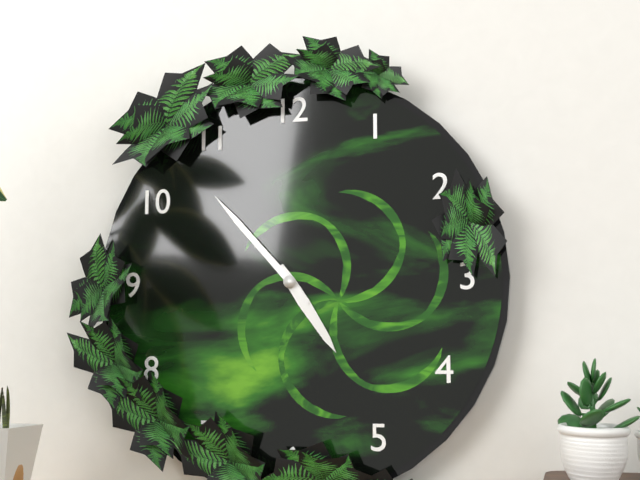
4h53
